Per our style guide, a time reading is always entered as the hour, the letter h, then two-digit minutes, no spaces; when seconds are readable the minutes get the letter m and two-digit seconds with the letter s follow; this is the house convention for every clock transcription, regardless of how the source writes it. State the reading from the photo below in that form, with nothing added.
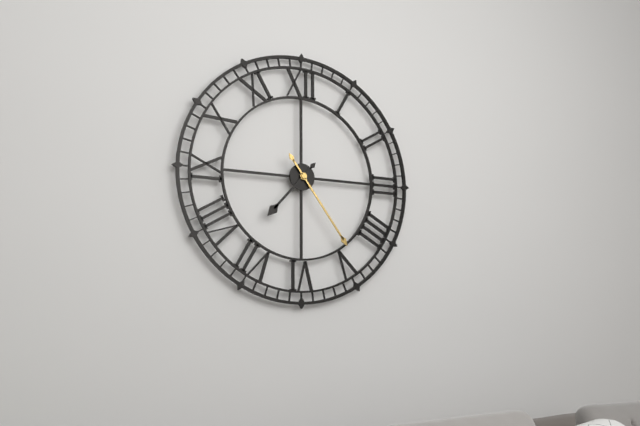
7h24
